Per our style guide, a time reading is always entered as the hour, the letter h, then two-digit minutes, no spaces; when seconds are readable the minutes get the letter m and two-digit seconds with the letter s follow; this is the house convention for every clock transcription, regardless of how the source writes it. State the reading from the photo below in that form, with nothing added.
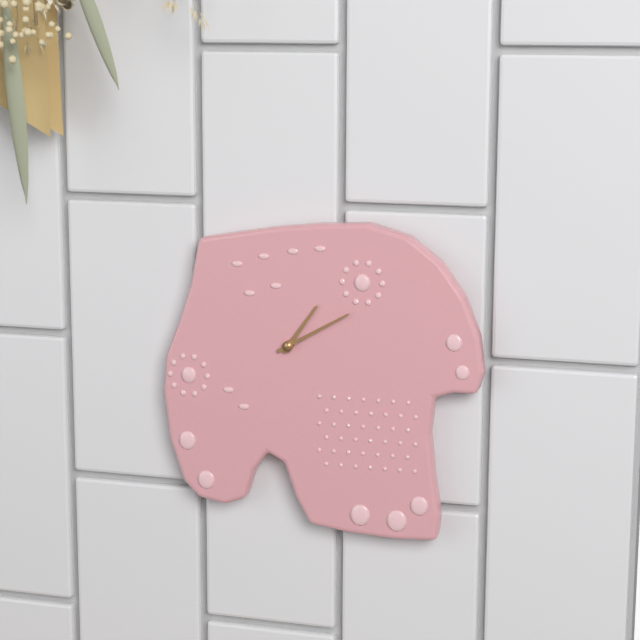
1h10
